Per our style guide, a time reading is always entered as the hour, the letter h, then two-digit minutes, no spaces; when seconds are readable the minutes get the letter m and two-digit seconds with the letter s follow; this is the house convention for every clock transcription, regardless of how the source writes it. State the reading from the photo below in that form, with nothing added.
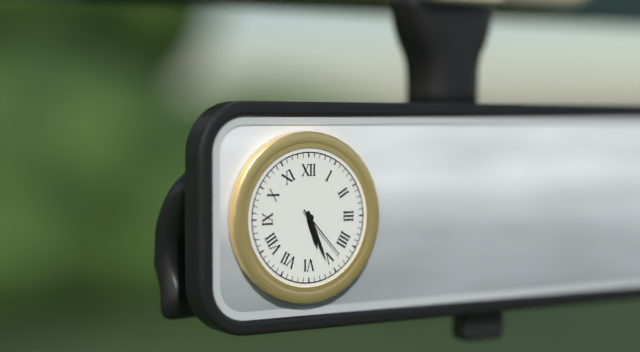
5h26m23s
